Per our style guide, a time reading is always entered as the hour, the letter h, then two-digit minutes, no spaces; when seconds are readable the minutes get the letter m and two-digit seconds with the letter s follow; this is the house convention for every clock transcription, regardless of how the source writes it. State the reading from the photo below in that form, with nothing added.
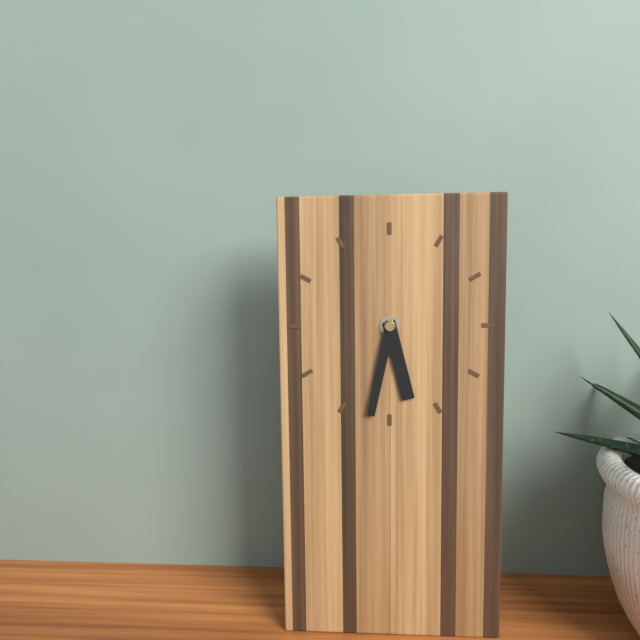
5h32
